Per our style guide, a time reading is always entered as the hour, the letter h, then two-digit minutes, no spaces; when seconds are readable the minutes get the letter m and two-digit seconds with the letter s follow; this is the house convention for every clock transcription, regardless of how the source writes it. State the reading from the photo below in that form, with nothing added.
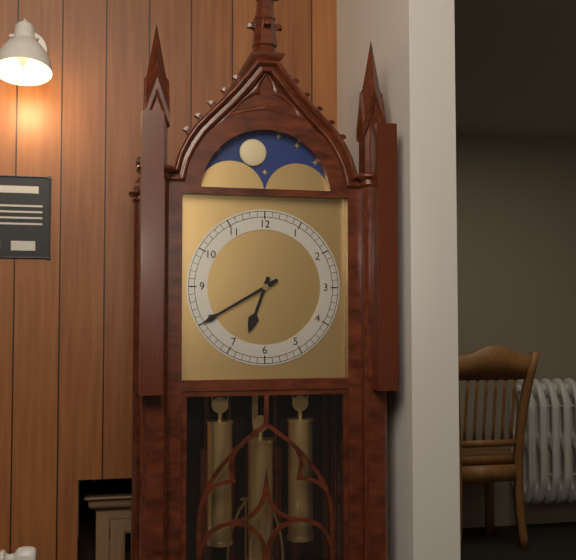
6h40
